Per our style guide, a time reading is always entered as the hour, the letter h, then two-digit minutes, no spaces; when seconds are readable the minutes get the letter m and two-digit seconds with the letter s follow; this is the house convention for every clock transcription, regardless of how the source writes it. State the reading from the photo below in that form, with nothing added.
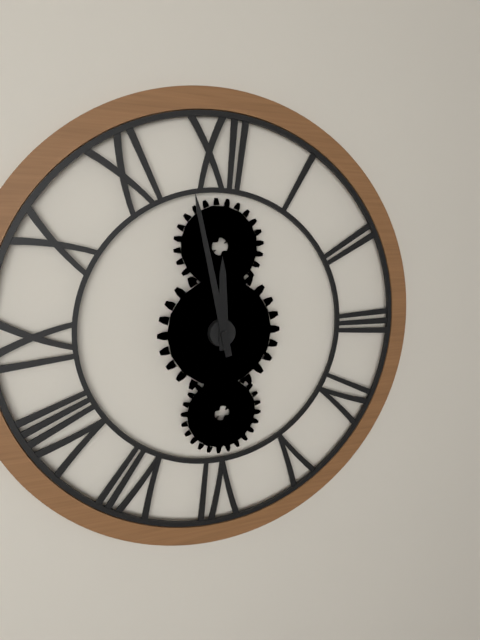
11h58
